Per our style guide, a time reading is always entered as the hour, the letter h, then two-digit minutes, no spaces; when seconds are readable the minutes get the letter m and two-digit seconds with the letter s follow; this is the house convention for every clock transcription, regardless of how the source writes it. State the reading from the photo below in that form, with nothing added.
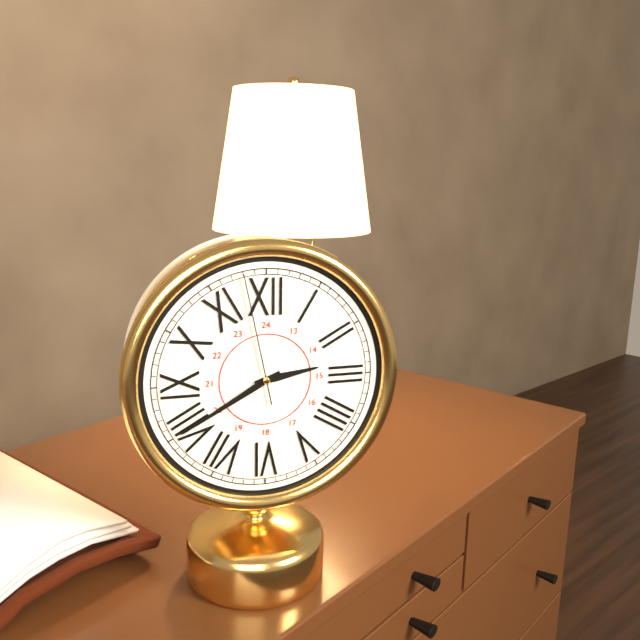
2h40m58s
